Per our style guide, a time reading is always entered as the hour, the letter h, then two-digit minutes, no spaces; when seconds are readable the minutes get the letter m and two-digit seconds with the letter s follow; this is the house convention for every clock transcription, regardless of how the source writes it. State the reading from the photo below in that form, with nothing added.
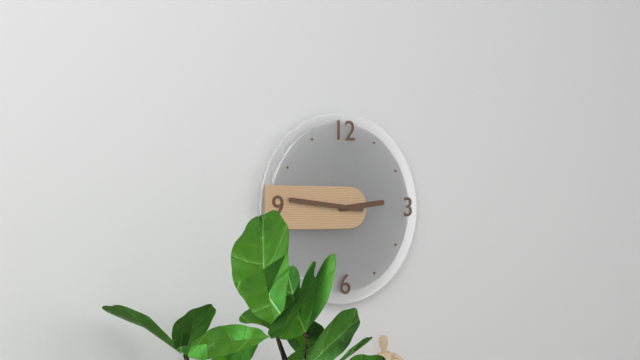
2h46
